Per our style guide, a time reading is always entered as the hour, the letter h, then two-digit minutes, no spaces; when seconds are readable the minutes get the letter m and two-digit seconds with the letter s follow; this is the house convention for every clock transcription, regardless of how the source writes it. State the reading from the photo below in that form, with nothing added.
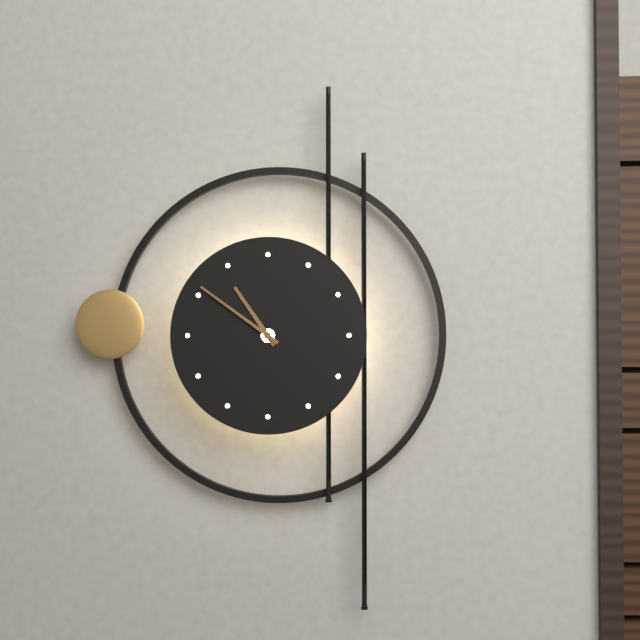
10h51
